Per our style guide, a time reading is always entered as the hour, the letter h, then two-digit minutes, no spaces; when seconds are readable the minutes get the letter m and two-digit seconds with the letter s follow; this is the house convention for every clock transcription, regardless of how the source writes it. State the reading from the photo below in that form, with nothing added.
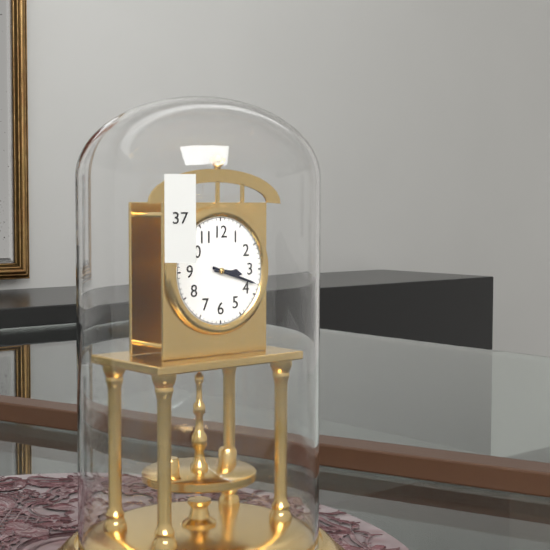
3h18
